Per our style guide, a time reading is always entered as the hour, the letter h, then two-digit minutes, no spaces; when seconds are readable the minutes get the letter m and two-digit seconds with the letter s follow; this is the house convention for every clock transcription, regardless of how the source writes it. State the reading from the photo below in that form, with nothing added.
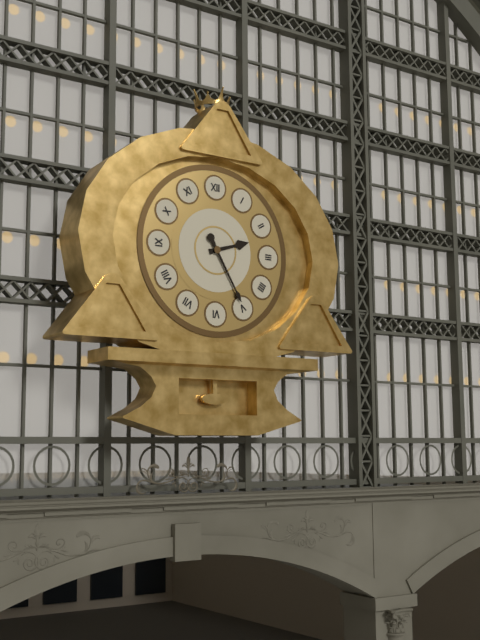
2h25
